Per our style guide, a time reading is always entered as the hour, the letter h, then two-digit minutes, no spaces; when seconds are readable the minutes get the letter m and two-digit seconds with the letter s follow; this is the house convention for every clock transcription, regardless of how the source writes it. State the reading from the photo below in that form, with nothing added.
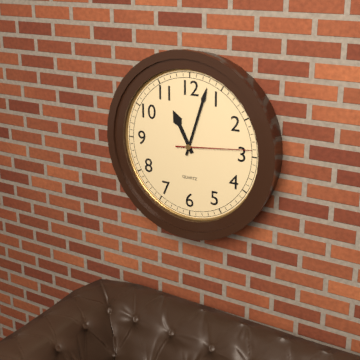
11h03m14s
